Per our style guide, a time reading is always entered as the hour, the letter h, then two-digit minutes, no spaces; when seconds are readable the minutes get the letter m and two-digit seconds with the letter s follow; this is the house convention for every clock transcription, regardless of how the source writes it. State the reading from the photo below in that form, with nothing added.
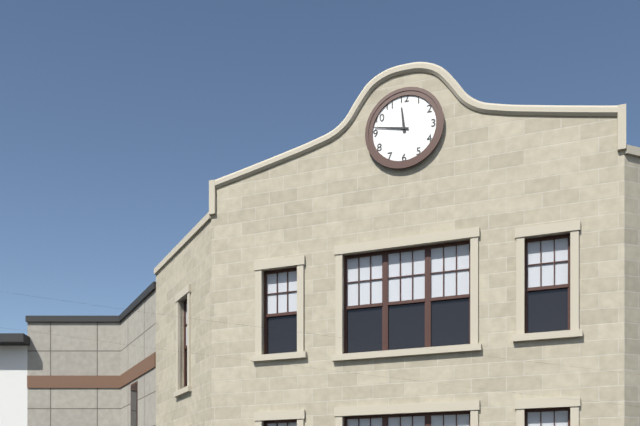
11h47
